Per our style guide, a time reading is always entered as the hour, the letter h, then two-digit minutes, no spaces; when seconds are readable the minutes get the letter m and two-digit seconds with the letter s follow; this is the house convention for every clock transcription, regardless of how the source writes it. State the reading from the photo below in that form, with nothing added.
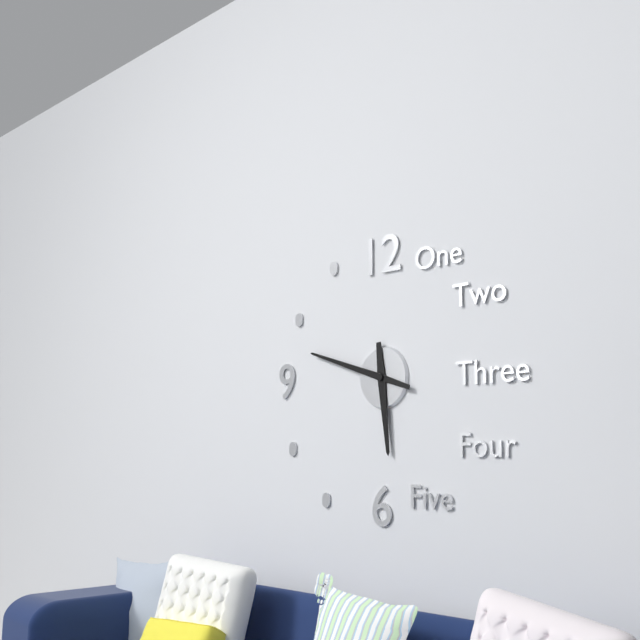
5h48
